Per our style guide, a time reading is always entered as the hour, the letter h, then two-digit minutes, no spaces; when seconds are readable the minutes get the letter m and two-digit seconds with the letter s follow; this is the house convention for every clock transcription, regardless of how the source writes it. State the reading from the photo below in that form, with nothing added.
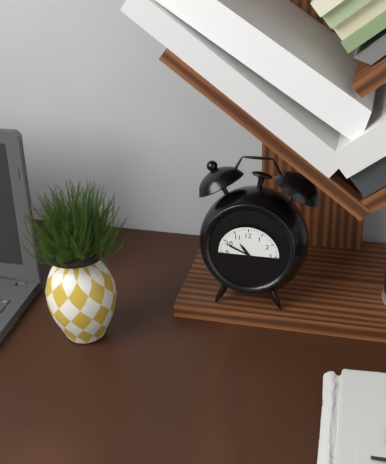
10h49
